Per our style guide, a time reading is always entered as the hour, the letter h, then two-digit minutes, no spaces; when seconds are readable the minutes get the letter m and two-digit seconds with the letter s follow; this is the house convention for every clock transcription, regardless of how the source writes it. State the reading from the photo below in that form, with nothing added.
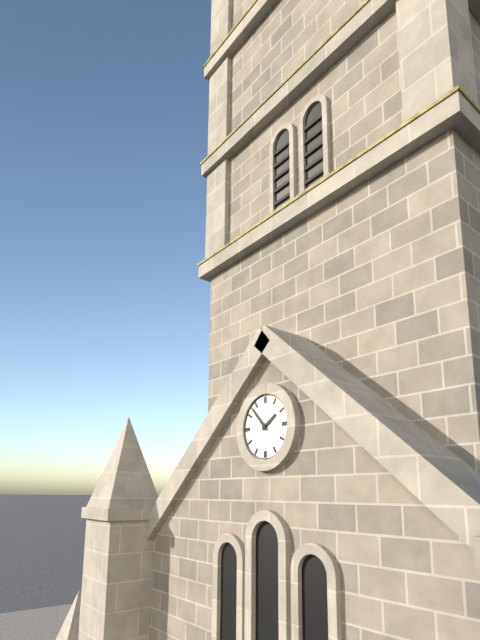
1h53
